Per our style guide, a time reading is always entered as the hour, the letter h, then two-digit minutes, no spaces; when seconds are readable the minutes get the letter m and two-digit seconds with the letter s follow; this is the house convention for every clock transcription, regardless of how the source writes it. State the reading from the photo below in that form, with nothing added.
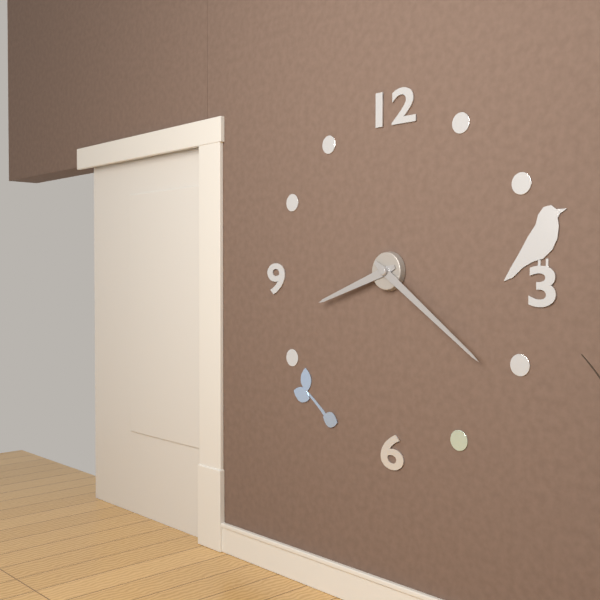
8h21
